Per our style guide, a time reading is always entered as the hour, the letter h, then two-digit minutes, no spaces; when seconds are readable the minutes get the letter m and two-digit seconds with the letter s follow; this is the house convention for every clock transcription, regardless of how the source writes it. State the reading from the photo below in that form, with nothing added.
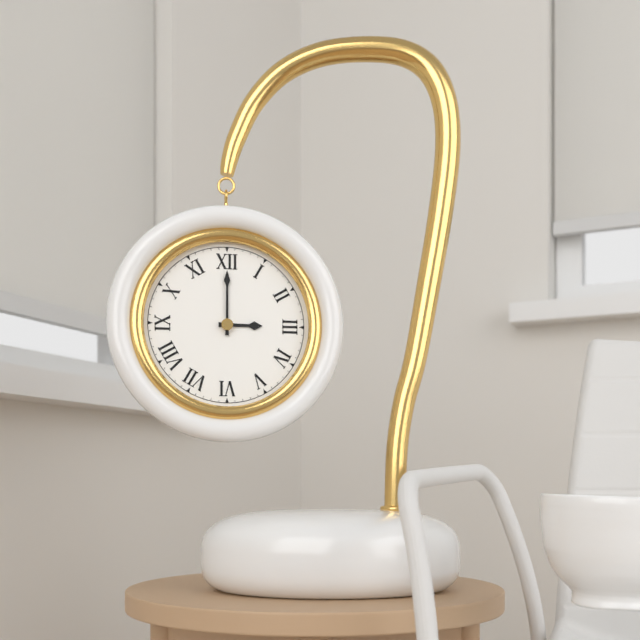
3h00
